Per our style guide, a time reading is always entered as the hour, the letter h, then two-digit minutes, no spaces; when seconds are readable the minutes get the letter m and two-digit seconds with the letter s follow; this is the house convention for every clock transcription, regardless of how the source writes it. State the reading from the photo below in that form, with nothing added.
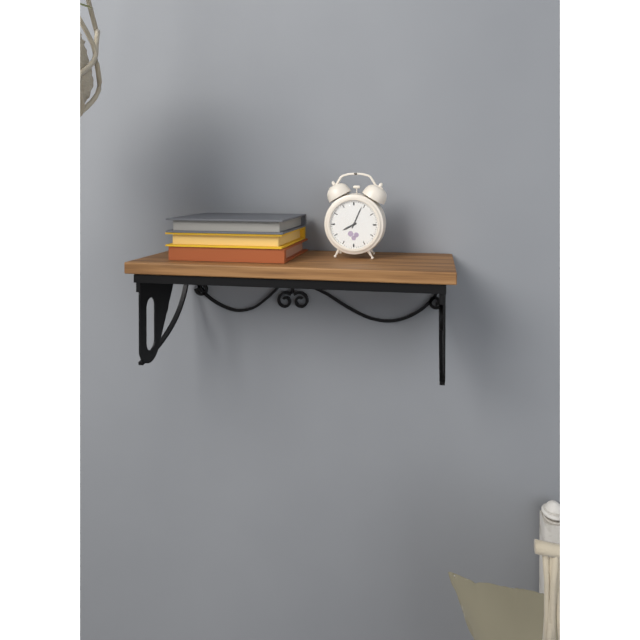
8h04
